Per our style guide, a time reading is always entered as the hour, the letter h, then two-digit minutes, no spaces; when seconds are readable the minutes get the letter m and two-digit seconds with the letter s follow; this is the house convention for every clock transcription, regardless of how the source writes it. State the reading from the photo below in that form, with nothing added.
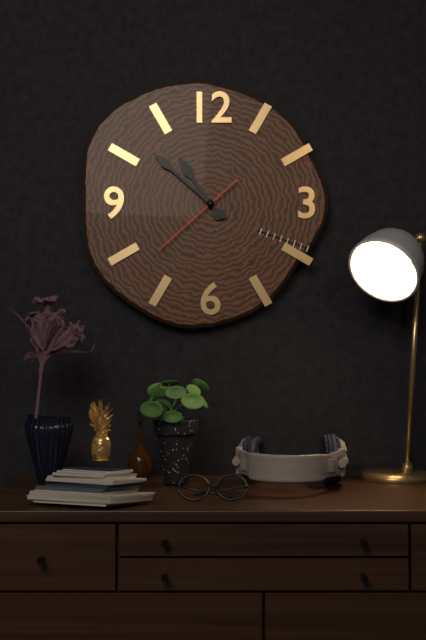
10h52m38s
